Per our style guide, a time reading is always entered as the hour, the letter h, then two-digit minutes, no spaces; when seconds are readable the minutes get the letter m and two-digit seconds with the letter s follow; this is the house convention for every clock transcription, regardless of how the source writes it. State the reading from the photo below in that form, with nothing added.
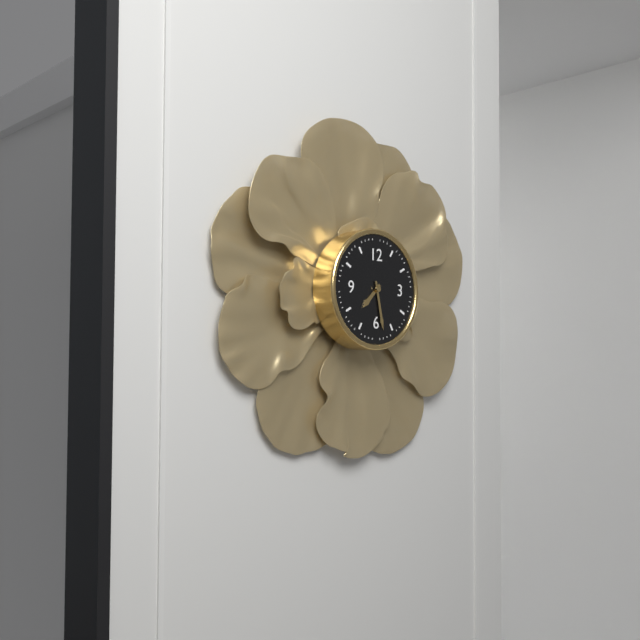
7h28
